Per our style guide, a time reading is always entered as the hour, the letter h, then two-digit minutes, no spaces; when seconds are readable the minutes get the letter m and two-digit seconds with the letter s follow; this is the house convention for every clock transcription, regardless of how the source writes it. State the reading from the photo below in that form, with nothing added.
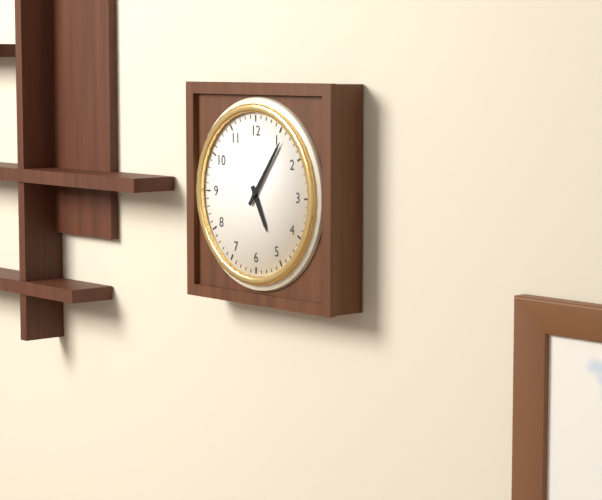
5h06
